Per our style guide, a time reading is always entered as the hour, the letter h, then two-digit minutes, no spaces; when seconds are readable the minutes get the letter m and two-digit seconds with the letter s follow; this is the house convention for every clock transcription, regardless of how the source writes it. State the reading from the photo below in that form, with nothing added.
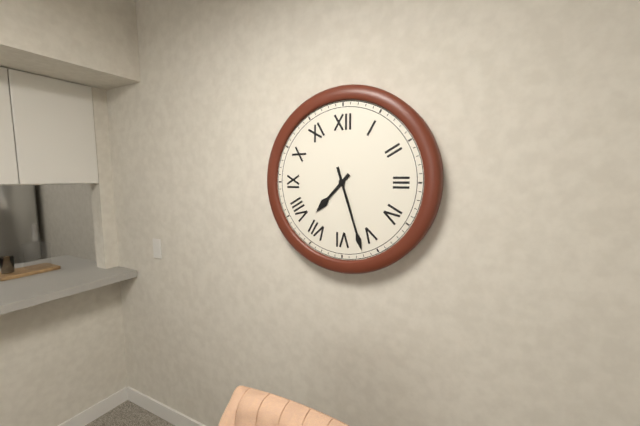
7h27
